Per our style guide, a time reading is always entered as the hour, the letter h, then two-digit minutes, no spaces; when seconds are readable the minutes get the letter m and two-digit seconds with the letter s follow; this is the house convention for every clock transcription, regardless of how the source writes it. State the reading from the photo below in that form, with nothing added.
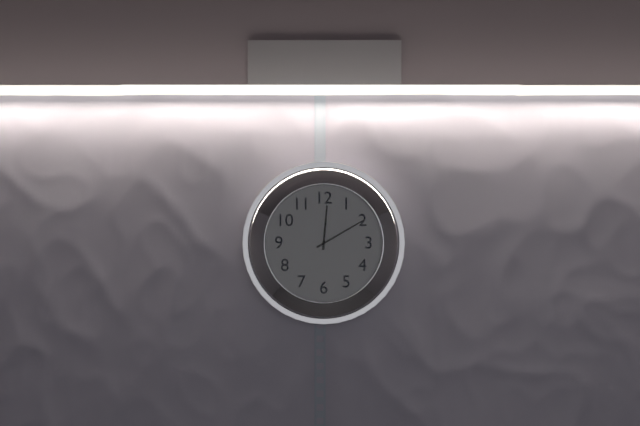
12h10
